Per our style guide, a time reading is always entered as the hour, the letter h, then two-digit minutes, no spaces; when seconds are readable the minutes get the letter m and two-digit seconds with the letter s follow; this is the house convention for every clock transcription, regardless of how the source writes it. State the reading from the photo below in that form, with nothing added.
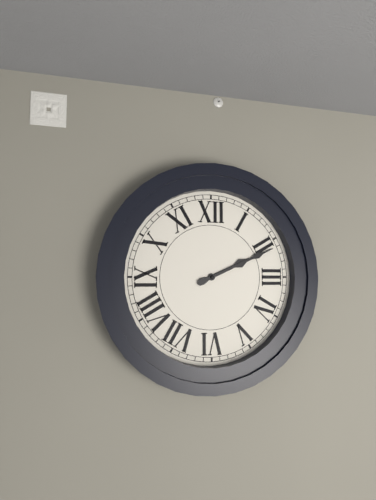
2h11
